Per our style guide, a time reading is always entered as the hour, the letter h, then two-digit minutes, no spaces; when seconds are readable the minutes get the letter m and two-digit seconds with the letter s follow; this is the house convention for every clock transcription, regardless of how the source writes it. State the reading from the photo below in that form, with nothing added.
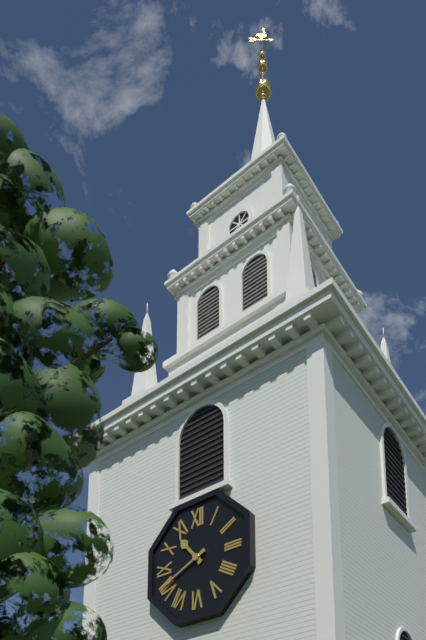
10h41
